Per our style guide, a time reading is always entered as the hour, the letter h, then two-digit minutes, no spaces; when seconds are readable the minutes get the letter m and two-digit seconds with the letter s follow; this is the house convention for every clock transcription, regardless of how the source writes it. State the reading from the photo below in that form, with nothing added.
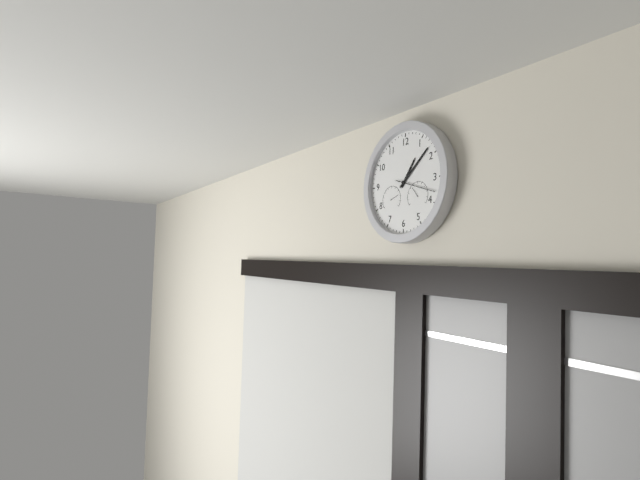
1h08
